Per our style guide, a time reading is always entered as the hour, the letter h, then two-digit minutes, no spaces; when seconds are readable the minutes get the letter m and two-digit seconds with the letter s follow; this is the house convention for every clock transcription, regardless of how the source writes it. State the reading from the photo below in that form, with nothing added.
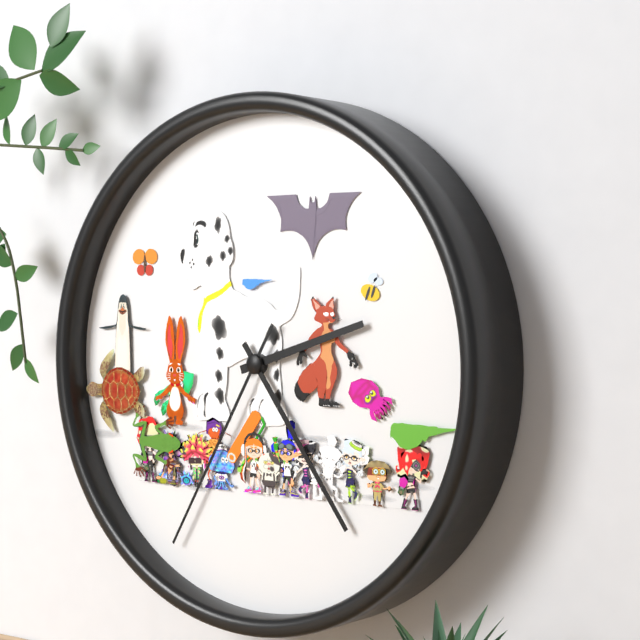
2h24m35s
